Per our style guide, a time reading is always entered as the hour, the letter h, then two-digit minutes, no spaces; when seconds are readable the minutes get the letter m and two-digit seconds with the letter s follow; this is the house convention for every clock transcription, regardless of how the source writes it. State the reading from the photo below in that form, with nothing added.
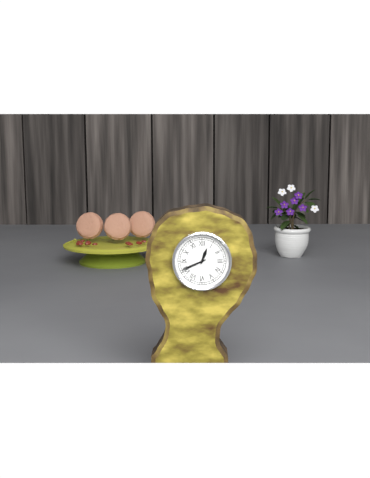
12h41
